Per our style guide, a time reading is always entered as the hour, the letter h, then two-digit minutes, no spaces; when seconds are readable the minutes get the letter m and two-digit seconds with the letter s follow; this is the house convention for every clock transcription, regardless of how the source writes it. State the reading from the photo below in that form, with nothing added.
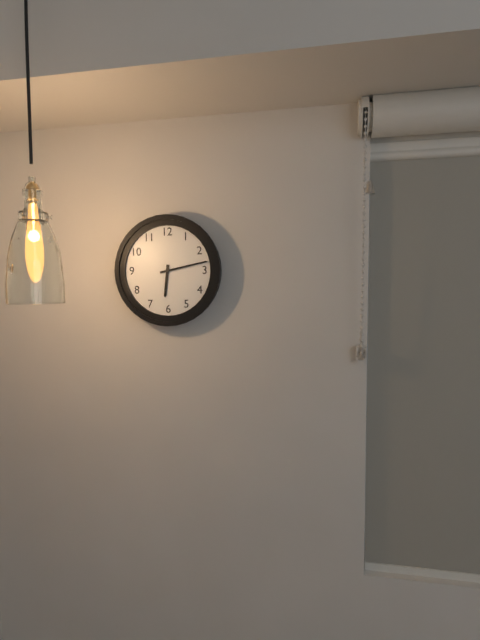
6h13
